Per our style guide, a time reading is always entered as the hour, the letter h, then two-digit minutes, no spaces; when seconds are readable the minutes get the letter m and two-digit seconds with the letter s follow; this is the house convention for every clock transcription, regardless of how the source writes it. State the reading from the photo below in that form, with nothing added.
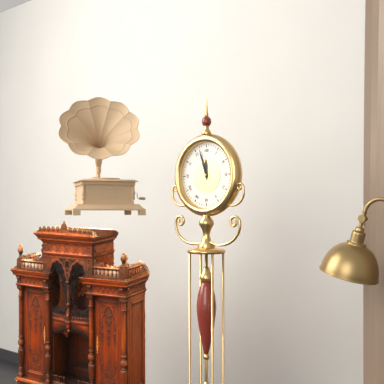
11h57
